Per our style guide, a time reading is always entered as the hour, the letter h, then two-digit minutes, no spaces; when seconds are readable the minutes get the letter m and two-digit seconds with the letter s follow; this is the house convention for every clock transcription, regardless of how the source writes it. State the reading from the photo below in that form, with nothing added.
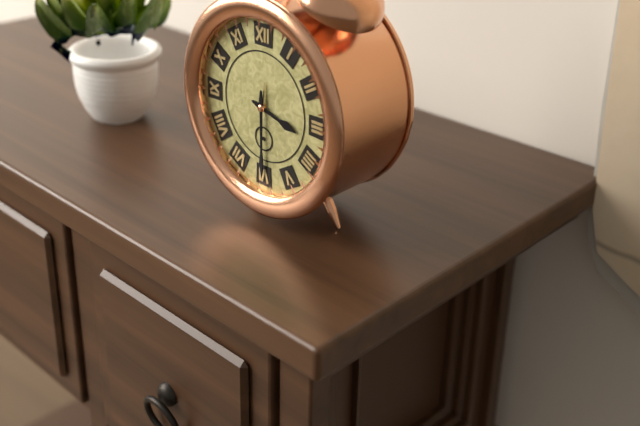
3h30
